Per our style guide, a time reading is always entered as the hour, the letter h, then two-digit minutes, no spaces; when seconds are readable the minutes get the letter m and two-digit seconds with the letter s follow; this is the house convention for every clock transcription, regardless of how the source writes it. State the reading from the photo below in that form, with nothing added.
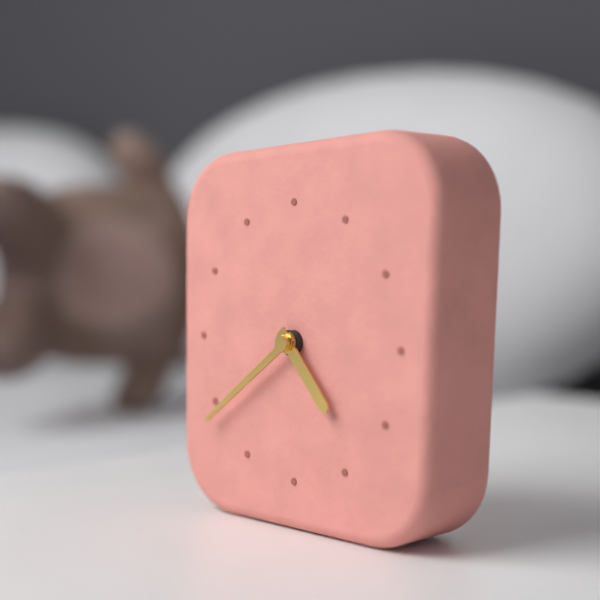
4h39
